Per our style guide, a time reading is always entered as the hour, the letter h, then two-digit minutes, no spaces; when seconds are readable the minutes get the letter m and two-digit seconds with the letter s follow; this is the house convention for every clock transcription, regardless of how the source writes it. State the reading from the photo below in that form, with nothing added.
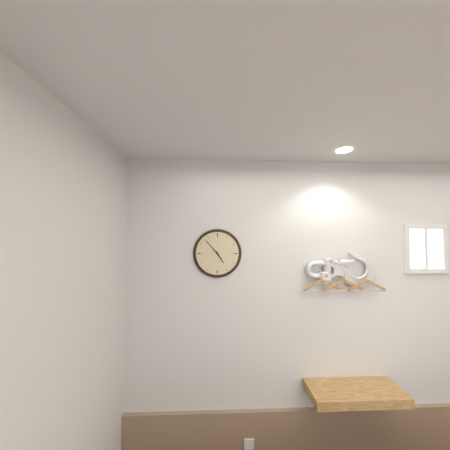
4h53
